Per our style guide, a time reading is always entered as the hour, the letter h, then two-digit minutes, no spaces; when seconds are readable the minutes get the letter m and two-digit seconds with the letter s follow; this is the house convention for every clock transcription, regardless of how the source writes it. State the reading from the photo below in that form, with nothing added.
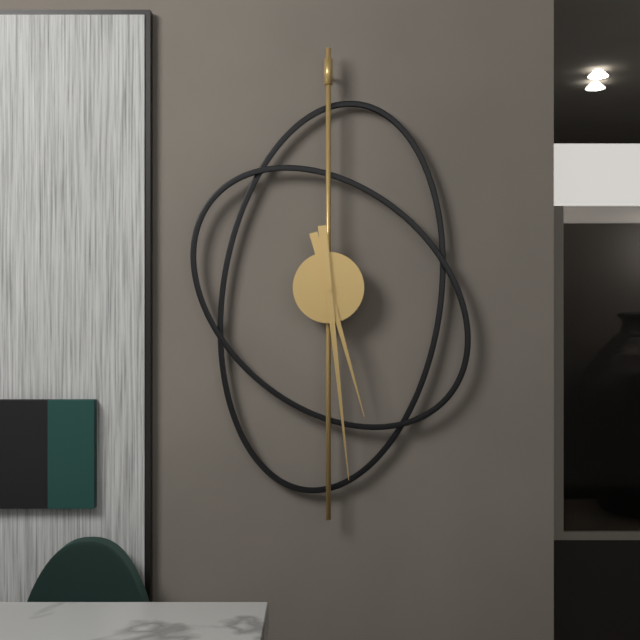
5h29
